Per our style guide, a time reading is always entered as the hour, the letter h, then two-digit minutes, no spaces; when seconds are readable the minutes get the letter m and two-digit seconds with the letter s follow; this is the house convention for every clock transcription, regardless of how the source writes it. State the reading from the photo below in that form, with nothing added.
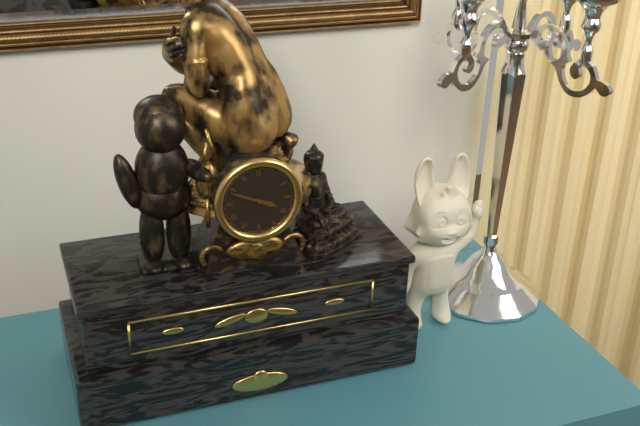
3h49
